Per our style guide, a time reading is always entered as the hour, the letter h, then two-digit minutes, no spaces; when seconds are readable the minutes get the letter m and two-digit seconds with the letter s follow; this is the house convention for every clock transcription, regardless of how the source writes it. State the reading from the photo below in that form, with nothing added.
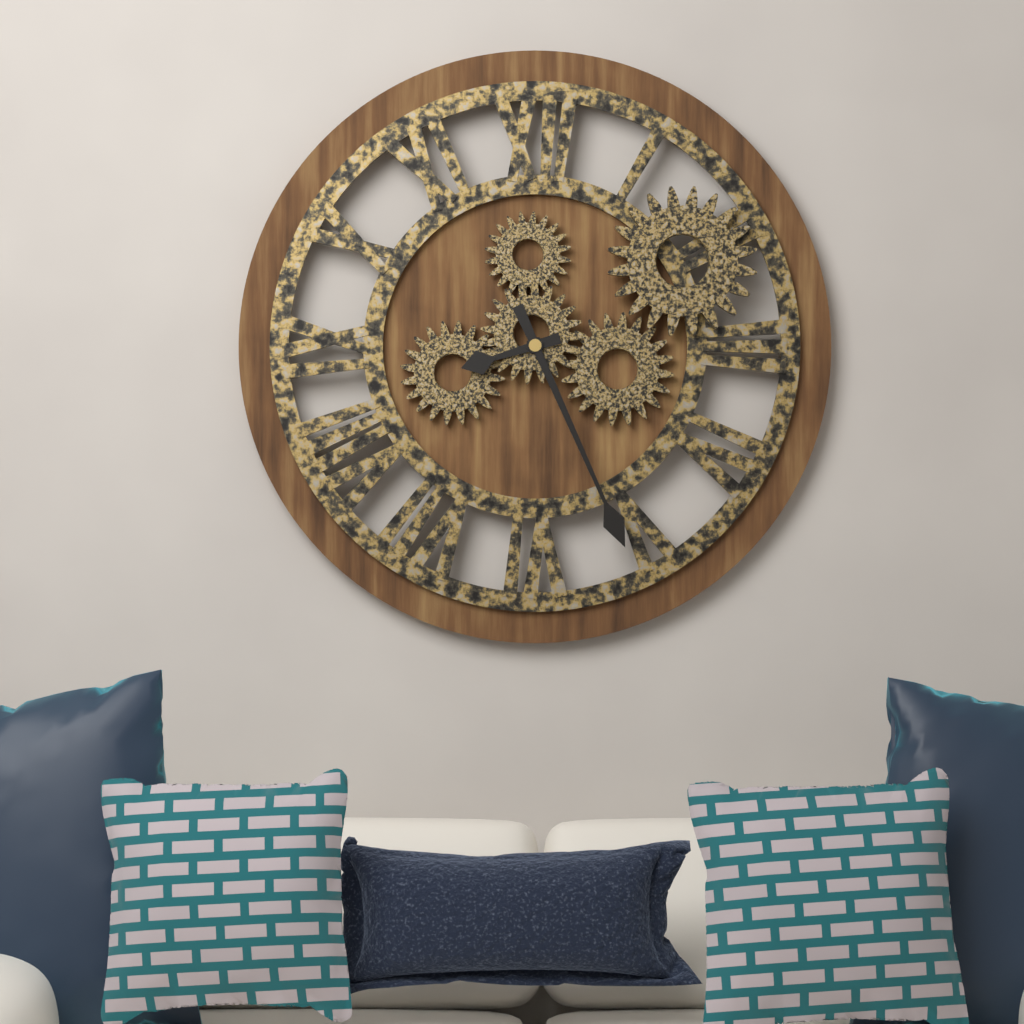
8h26
